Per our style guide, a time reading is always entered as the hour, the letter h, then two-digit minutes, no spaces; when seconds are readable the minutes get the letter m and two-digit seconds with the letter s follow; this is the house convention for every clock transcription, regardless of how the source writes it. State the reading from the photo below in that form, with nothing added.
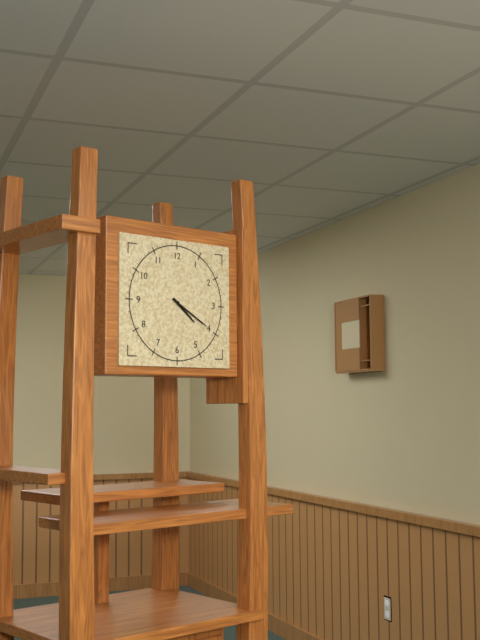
4h20
